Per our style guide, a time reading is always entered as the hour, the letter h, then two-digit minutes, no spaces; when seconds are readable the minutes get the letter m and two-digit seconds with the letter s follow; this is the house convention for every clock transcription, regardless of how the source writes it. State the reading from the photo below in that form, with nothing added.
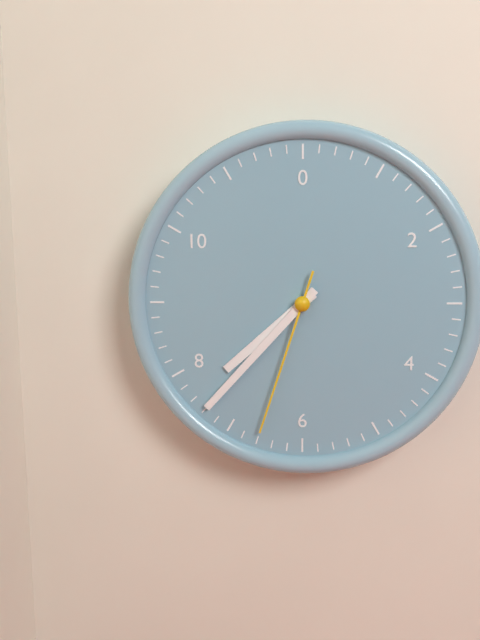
7h37m33s
